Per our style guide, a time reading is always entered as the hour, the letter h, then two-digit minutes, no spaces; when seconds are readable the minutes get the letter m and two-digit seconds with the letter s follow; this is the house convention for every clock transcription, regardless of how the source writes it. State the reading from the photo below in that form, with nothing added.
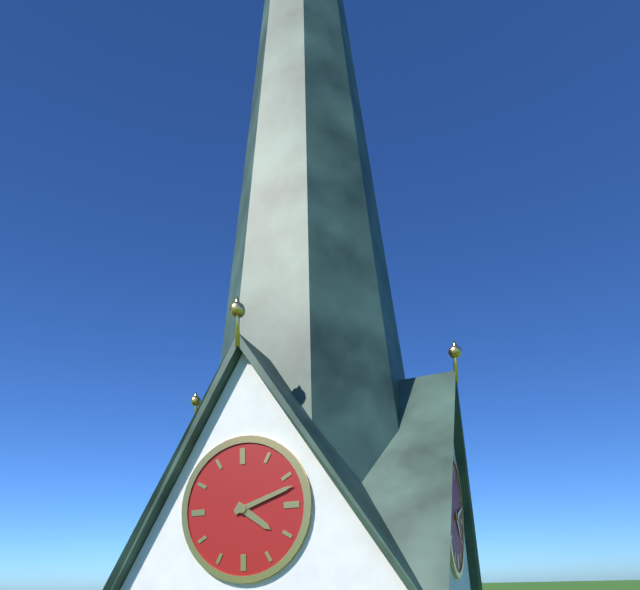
4h12
